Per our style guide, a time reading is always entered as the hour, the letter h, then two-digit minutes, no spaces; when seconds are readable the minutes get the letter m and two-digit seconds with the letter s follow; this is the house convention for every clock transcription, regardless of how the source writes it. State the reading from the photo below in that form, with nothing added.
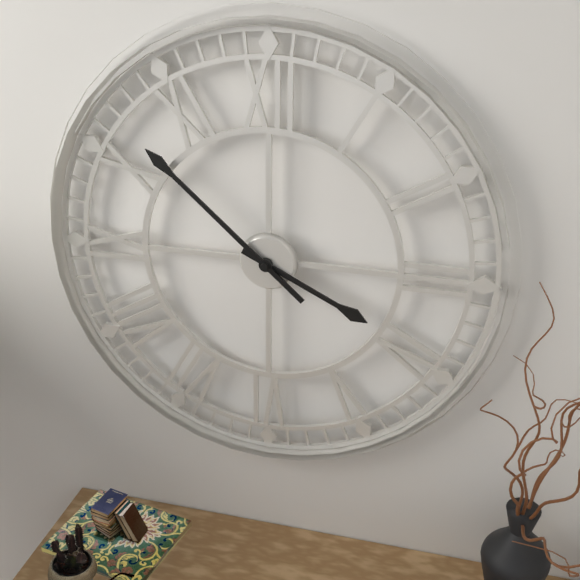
3h52
